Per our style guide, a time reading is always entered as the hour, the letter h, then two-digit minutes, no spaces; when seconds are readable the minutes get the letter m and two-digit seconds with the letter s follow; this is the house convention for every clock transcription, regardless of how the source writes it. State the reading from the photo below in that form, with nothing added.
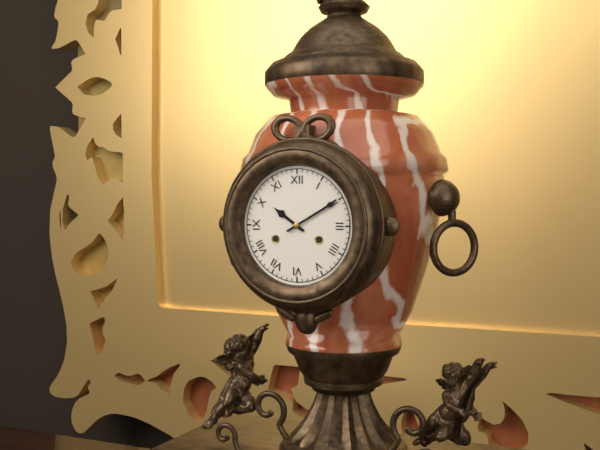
10h10
